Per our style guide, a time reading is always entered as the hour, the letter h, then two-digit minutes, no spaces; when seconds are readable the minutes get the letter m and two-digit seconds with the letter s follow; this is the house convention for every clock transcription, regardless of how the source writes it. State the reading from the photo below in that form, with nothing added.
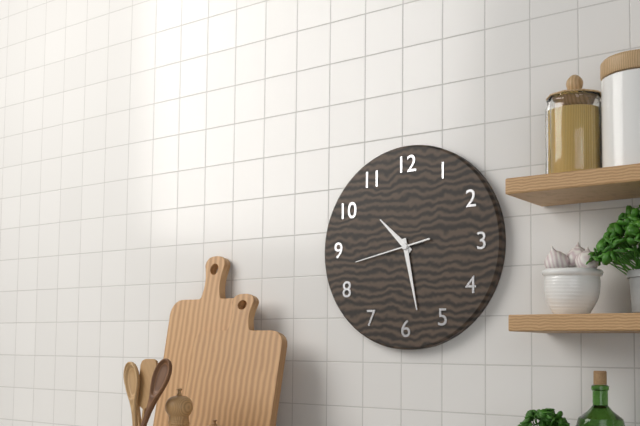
10h28m43s
